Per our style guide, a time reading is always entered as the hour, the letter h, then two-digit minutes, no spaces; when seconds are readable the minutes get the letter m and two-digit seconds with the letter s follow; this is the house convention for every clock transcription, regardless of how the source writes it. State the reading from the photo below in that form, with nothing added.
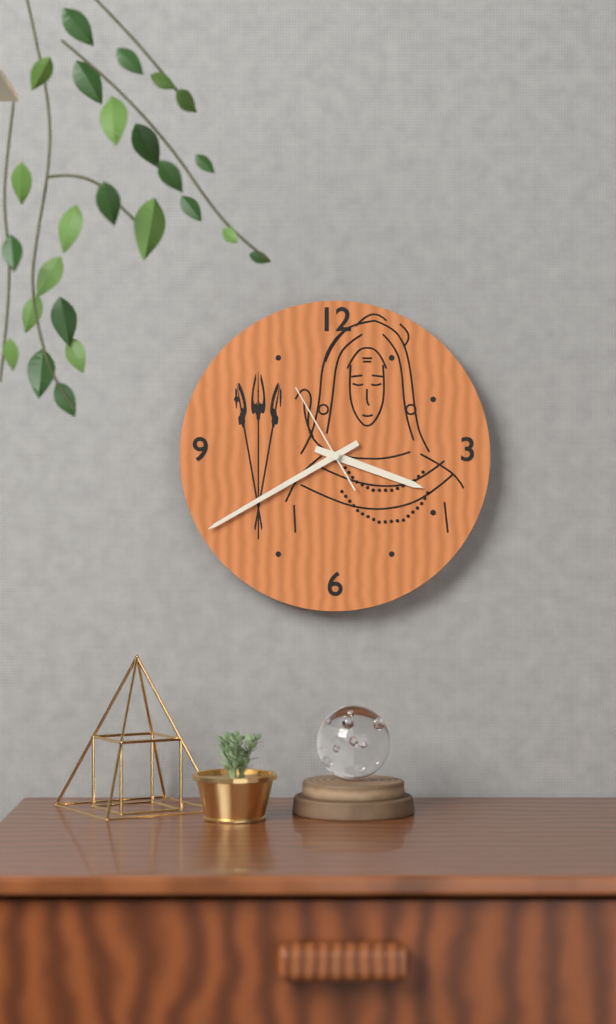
3h40m55s
